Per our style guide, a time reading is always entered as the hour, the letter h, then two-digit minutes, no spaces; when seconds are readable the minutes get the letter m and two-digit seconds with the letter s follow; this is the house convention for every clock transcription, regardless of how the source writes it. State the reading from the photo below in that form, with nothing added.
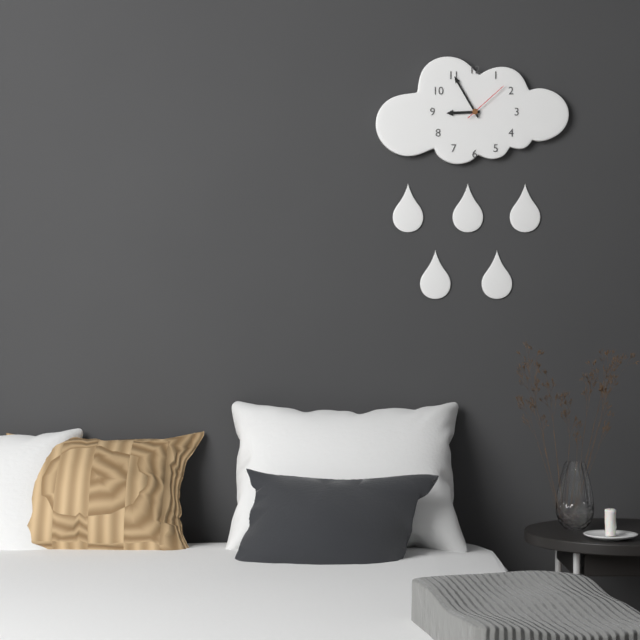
8h55
